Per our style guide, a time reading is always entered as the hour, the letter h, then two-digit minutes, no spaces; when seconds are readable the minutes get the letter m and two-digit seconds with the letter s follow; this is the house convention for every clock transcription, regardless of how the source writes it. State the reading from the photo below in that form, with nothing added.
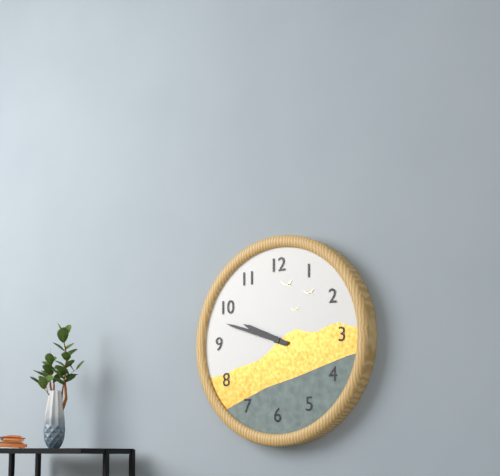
9h48
